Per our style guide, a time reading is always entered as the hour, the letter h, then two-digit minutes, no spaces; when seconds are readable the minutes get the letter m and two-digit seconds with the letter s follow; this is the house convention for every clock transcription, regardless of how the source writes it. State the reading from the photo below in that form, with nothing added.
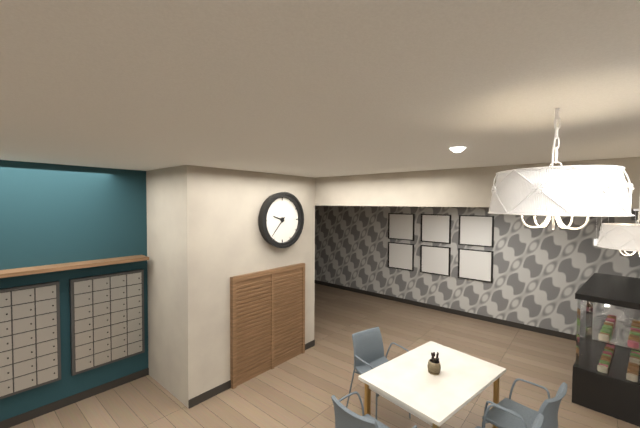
9h37
